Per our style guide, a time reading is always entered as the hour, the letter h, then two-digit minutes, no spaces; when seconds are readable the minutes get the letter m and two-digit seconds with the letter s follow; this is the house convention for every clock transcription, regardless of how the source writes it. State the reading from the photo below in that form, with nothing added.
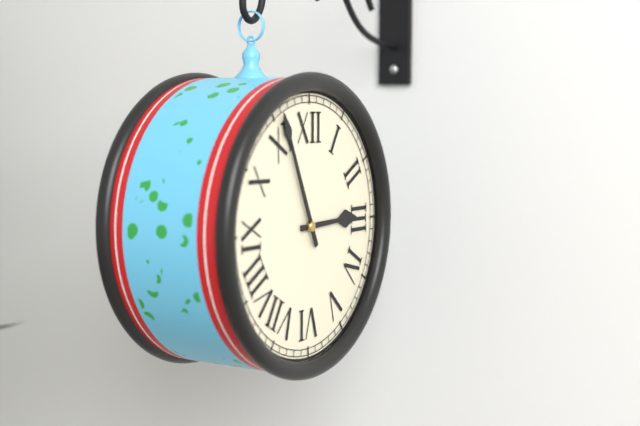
2h56
